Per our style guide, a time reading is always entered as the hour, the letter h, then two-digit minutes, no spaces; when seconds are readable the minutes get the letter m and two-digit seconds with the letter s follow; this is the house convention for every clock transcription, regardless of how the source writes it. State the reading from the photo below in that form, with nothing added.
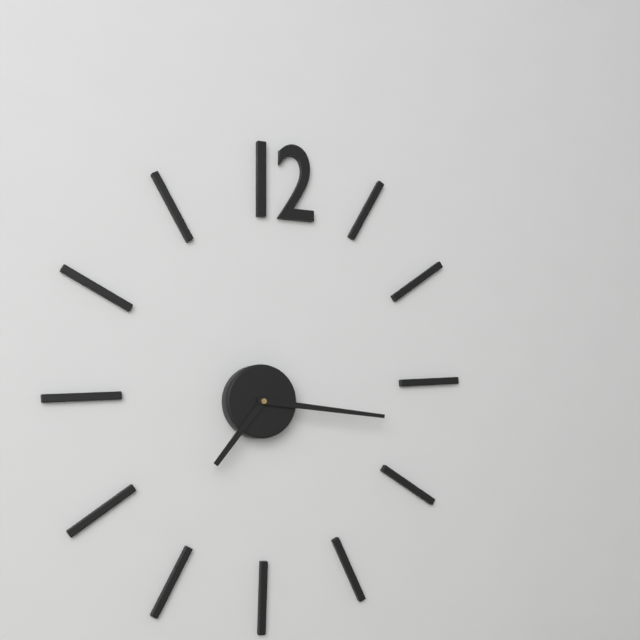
7h16
